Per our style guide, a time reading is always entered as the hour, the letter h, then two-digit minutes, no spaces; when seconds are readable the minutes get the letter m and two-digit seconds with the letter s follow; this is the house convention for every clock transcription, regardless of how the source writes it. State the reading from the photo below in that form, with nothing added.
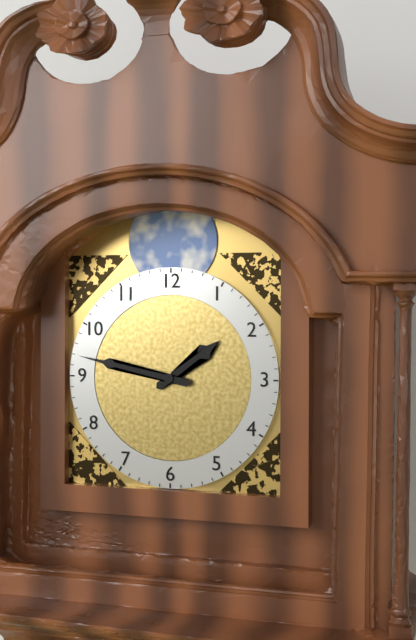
1h47
